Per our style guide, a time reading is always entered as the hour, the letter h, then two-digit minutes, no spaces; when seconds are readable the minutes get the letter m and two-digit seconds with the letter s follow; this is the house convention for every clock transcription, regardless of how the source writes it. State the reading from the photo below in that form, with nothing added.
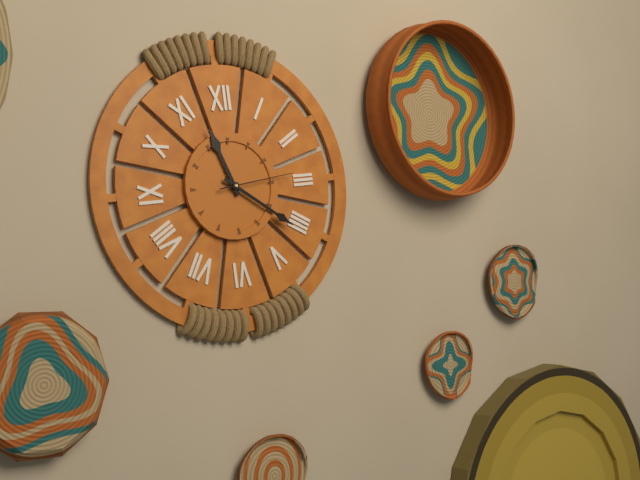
11h21m14s
